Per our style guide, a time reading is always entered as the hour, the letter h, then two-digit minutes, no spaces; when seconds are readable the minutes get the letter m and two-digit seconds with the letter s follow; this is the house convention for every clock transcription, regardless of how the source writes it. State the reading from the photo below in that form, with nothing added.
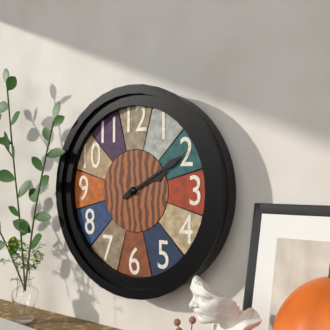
2h10
